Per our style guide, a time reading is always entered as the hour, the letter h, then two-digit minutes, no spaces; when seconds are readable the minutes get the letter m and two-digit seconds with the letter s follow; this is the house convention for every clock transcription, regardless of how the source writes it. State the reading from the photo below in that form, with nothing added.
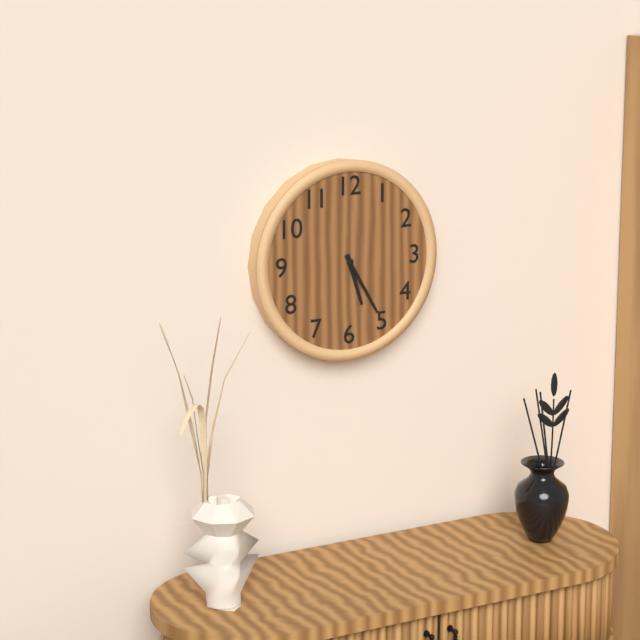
5h25
